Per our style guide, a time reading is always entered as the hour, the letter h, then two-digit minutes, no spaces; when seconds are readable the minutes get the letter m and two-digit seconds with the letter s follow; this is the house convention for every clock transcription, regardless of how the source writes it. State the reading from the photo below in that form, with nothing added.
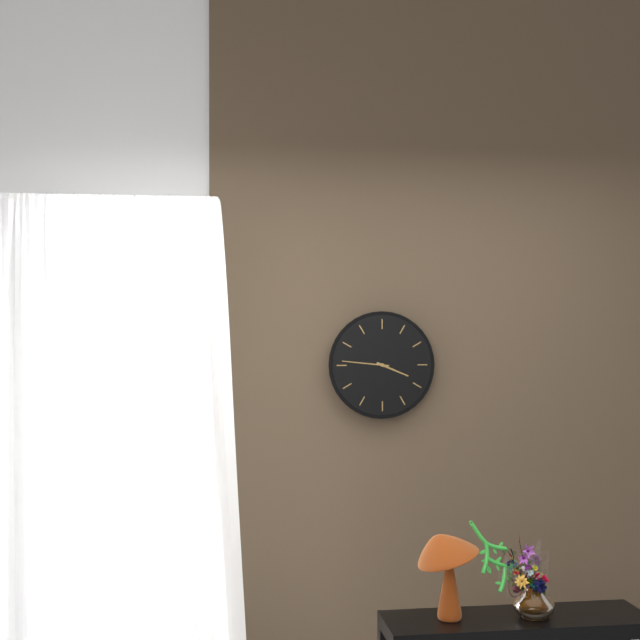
3h46
